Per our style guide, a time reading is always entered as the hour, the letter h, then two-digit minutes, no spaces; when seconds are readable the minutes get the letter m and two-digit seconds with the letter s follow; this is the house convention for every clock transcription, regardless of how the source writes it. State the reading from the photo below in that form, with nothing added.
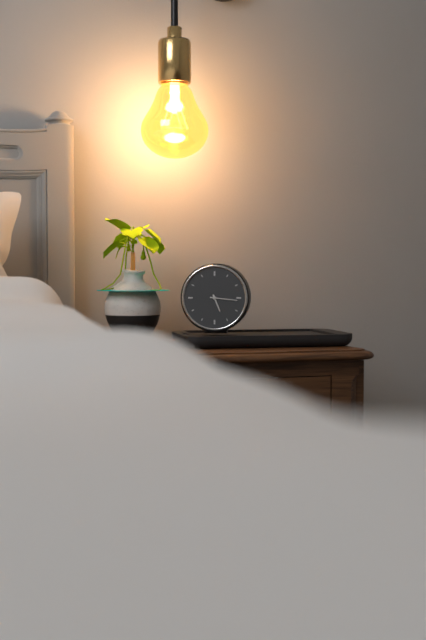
5h16
